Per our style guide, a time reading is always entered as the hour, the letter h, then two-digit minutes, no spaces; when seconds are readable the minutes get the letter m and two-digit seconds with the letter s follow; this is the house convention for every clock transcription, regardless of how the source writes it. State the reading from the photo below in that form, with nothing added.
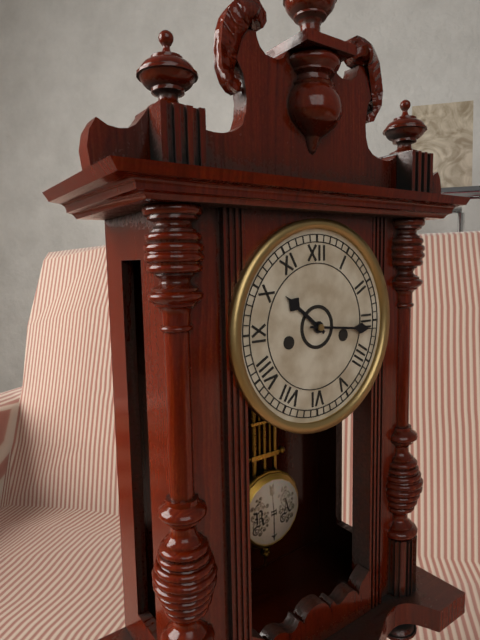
10h16
